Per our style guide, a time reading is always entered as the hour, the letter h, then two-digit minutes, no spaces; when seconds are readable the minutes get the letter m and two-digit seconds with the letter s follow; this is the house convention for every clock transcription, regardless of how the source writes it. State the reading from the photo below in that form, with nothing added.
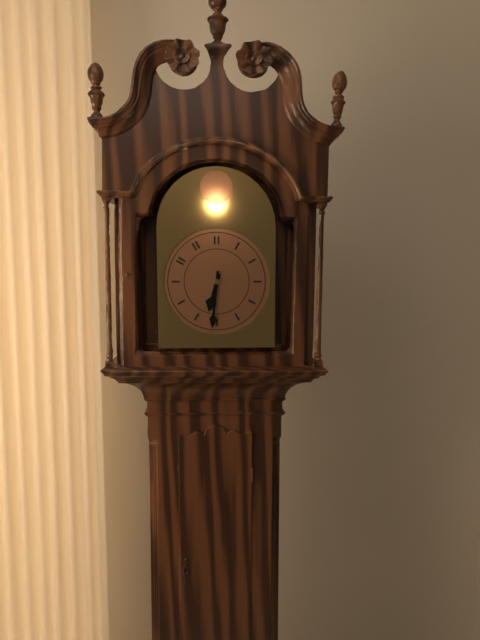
6h31
